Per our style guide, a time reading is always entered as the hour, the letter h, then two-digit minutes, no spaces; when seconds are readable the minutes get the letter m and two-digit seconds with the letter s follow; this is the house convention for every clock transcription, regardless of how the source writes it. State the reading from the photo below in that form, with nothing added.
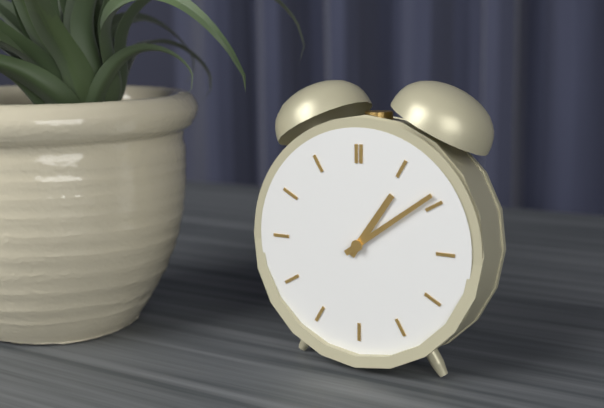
1h09
